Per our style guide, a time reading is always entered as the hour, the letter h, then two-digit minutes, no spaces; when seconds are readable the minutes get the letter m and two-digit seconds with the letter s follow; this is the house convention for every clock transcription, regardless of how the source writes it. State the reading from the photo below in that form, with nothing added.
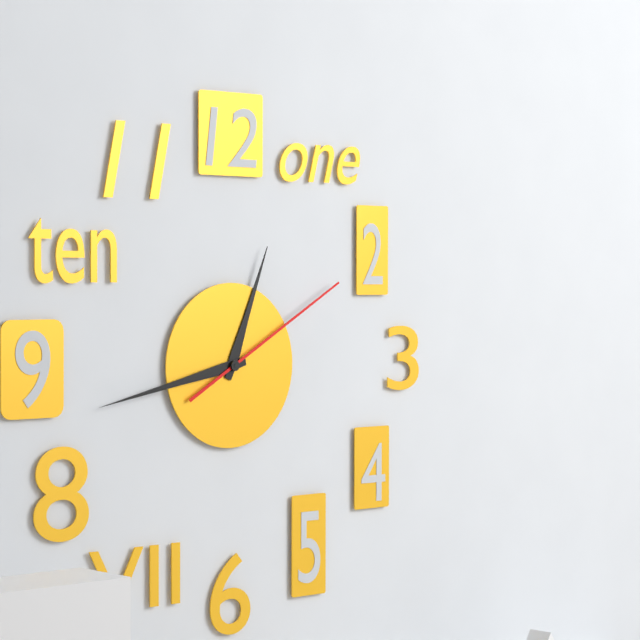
12h43m10s
